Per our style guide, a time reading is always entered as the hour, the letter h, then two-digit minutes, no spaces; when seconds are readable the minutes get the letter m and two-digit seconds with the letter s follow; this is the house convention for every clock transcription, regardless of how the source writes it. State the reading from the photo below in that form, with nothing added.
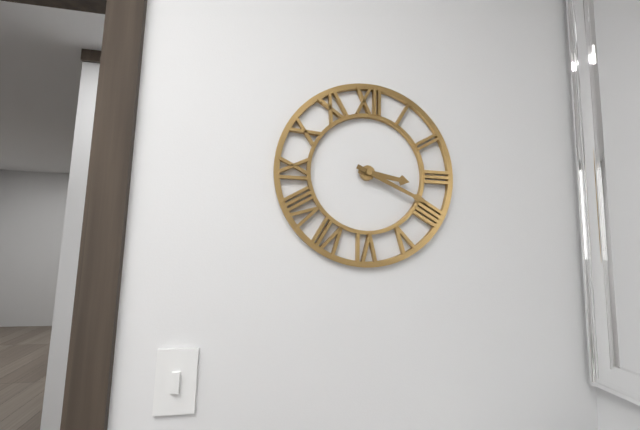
3h19
